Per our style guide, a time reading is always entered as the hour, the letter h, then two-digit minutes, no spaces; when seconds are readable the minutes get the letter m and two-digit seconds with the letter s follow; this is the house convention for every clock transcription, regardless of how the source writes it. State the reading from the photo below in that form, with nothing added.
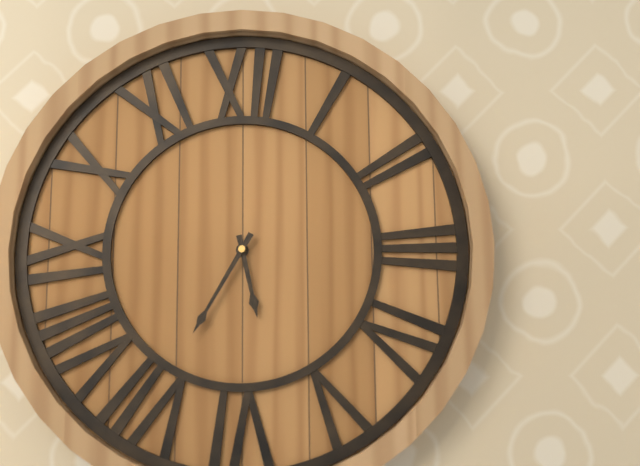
5h35
